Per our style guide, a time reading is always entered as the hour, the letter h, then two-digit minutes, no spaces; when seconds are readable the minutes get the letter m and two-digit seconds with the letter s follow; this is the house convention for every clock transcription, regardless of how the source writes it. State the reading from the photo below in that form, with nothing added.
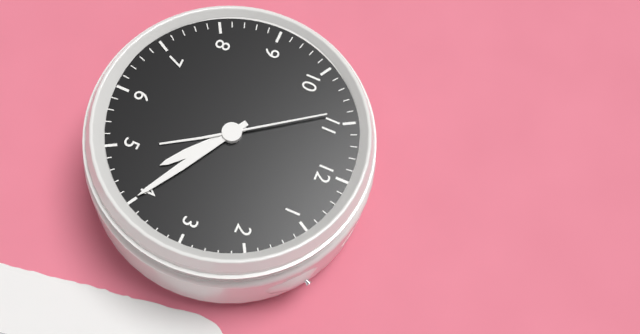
4h20m54s
